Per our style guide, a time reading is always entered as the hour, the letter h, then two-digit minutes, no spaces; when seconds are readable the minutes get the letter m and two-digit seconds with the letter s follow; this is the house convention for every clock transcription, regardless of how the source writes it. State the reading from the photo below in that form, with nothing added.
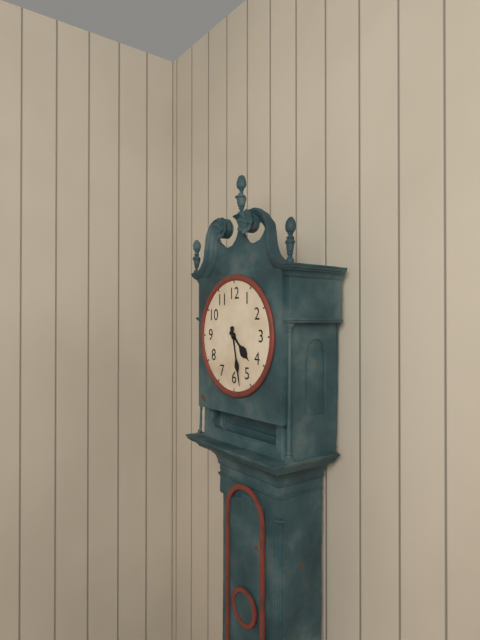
4h28
